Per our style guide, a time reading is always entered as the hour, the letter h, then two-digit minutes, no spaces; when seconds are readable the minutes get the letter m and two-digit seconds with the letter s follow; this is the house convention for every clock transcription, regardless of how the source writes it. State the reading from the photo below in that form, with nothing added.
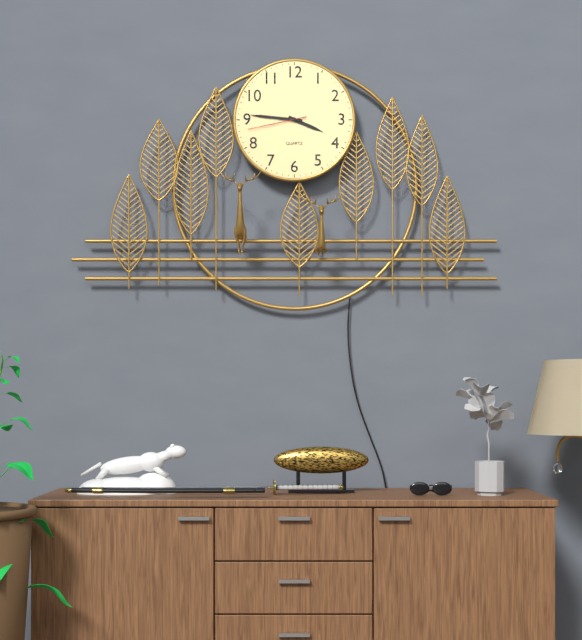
3h46m43s
